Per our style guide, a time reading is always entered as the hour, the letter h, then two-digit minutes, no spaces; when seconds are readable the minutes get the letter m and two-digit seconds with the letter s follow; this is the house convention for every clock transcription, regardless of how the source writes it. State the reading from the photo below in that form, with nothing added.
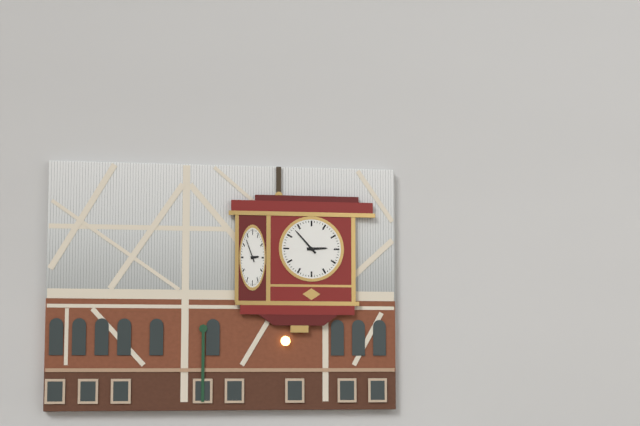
2h53
